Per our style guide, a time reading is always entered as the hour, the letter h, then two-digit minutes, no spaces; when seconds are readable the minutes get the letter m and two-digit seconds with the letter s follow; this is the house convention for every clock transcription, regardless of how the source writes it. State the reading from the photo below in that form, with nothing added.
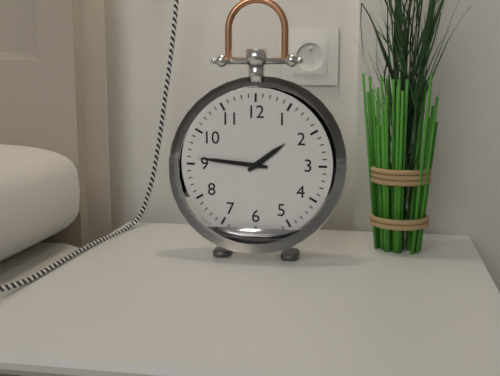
1h46
